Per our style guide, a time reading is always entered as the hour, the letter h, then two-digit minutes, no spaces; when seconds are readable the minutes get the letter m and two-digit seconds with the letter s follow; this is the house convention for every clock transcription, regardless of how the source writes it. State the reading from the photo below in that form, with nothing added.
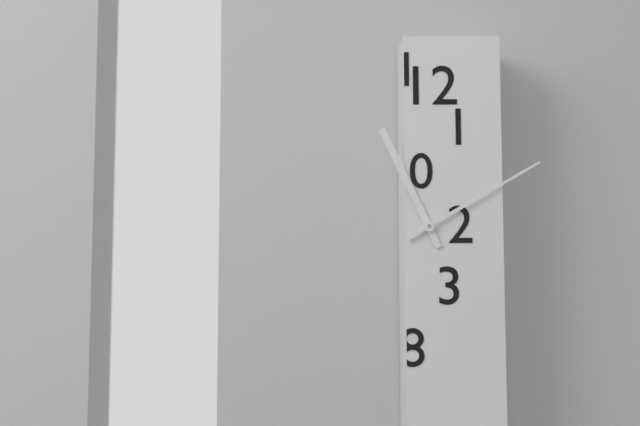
11h10
